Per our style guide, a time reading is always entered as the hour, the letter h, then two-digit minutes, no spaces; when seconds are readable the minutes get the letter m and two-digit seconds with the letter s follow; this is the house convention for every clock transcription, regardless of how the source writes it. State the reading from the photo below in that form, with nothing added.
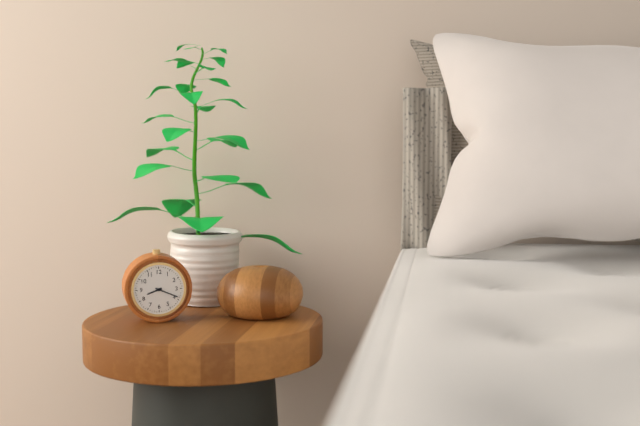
8h19
